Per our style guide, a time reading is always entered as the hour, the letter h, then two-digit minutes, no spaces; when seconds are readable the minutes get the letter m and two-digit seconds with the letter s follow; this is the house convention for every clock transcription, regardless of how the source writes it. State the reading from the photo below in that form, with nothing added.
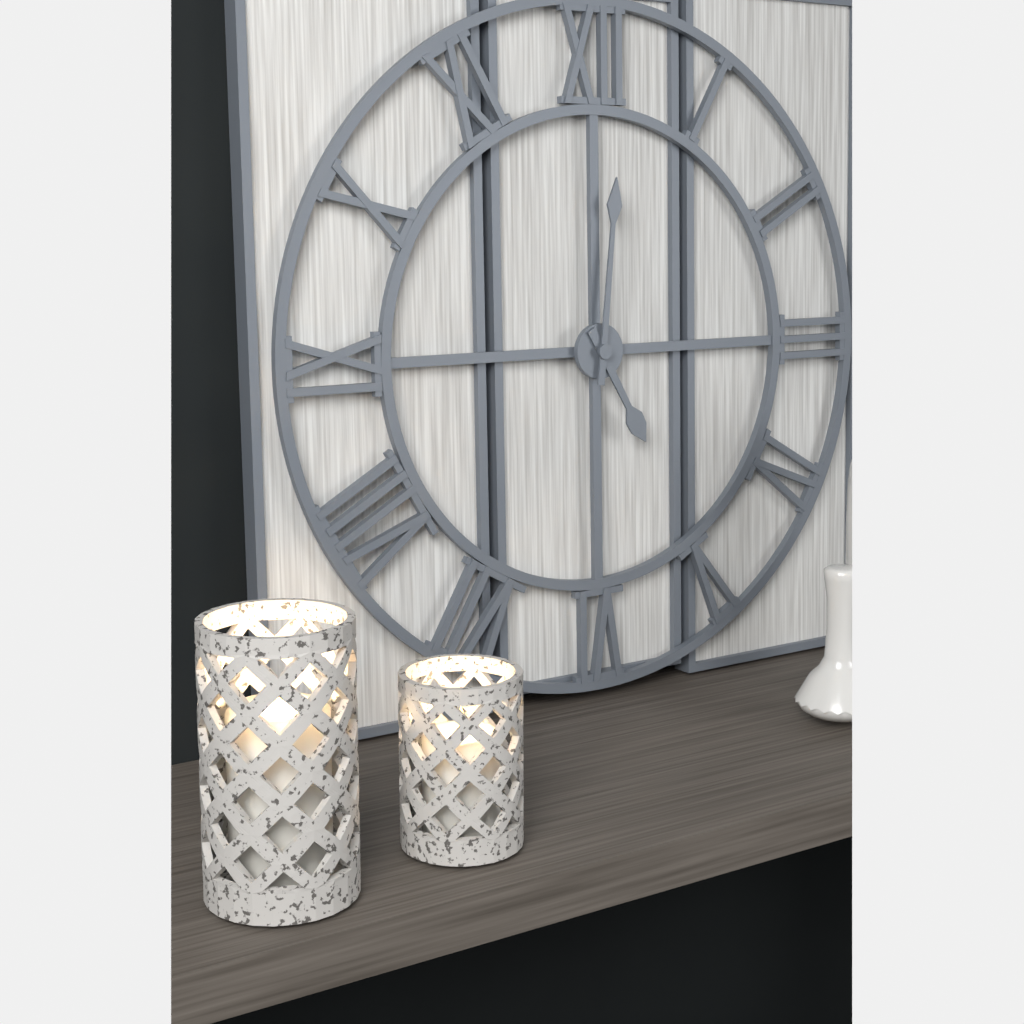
5h01
